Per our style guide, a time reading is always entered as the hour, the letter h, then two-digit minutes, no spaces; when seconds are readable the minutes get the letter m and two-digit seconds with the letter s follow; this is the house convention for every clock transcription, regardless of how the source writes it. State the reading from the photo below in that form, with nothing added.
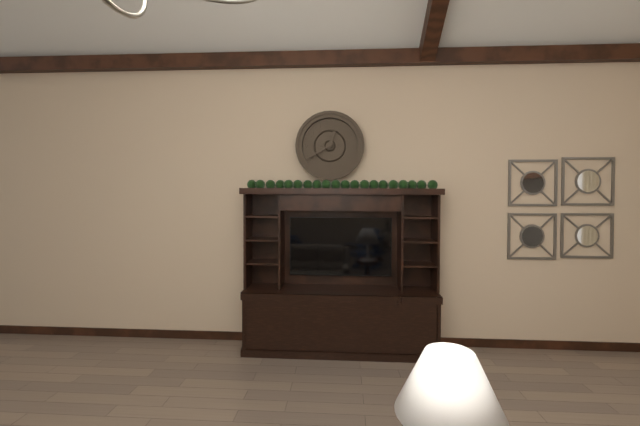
12h40
